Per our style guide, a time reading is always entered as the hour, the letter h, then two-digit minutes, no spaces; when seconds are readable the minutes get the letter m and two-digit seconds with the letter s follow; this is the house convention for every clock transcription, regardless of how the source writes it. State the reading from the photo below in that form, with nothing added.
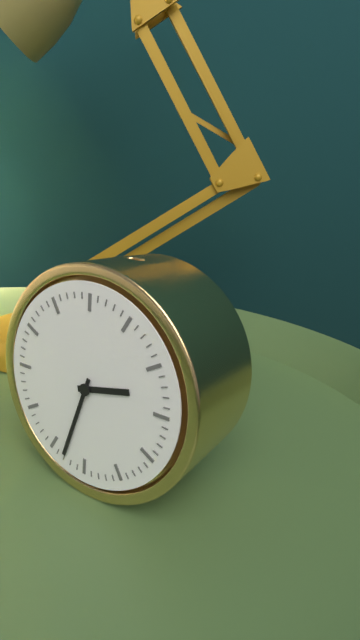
2h33
